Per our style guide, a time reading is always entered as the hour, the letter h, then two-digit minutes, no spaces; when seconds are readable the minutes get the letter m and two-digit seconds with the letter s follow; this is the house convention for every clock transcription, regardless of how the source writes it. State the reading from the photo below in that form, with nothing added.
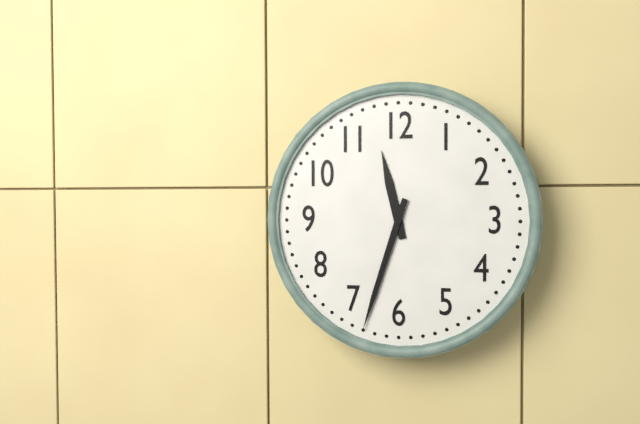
11h33
